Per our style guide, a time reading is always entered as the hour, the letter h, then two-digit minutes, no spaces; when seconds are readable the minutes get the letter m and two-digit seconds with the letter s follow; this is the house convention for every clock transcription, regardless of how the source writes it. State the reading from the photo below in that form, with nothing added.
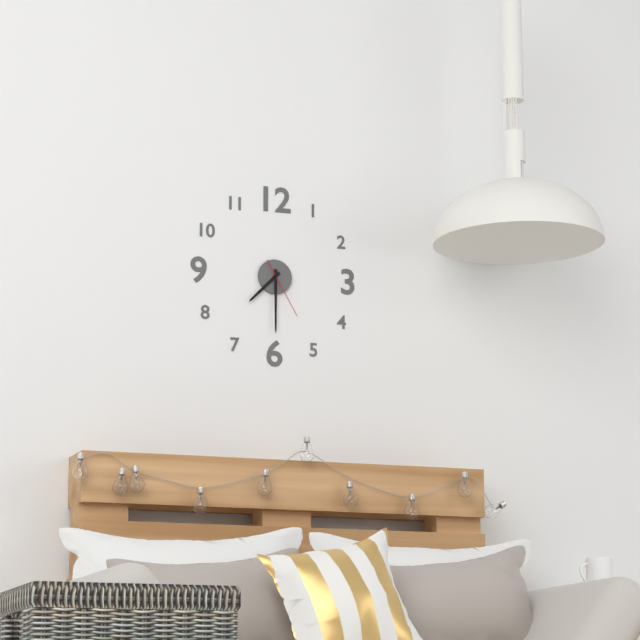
7h30m25s
